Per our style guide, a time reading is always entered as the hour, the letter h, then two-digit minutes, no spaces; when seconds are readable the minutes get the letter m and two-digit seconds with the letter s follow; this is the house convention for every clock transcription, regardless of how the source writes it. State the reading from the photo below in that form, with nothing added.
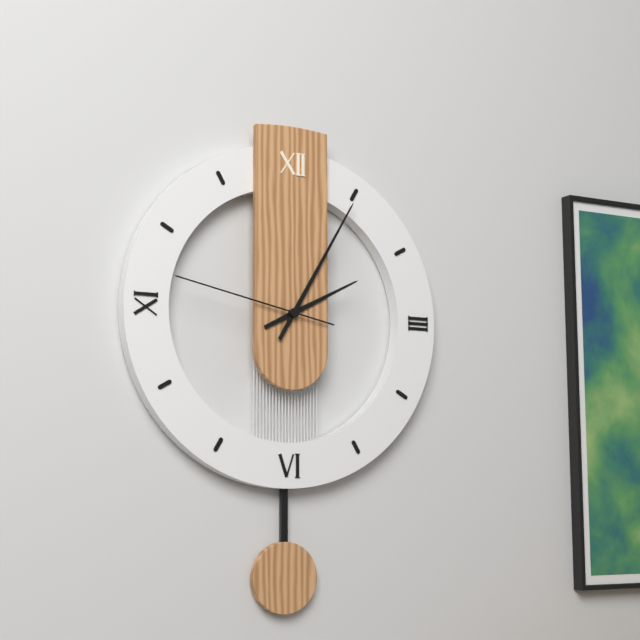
2h05m47s
